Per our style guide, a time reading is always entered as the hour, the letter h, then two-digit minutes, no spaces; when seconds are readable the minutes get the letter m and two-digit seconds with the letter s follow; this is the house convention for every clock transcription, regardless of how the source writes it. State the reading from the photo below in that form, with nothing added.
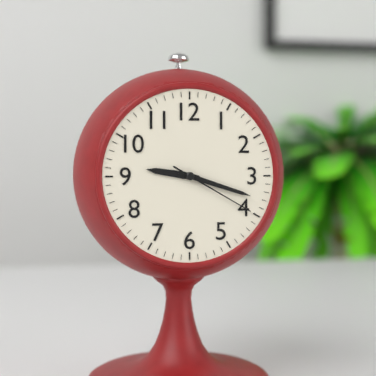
9h18m20s
